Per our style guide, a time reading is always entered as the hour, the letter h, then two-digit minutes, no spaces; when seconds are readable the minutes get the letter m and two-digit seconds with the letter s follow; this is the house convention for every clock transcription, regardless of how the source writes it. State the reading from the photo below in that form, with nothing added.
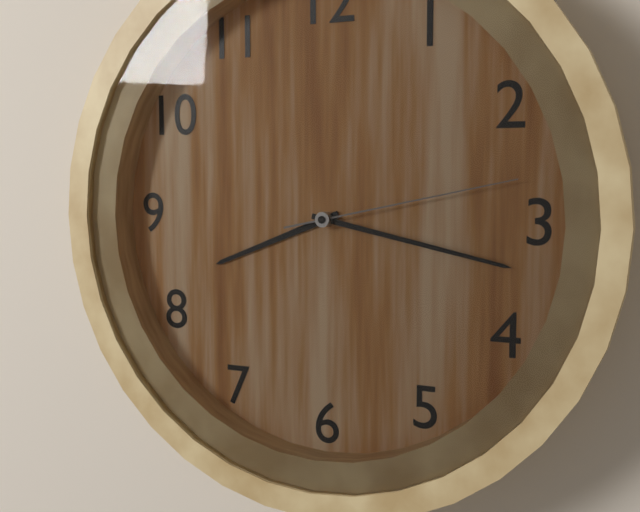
8h17m13s
